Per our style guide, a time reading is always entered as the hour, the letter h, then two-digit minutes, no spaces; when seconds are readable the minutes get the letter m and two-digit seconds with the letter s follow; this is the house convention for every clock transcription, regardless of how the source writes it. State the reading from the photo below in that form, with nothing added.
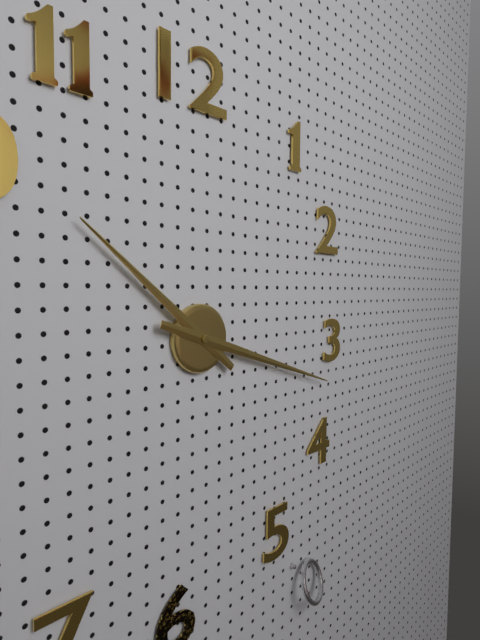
10h18
